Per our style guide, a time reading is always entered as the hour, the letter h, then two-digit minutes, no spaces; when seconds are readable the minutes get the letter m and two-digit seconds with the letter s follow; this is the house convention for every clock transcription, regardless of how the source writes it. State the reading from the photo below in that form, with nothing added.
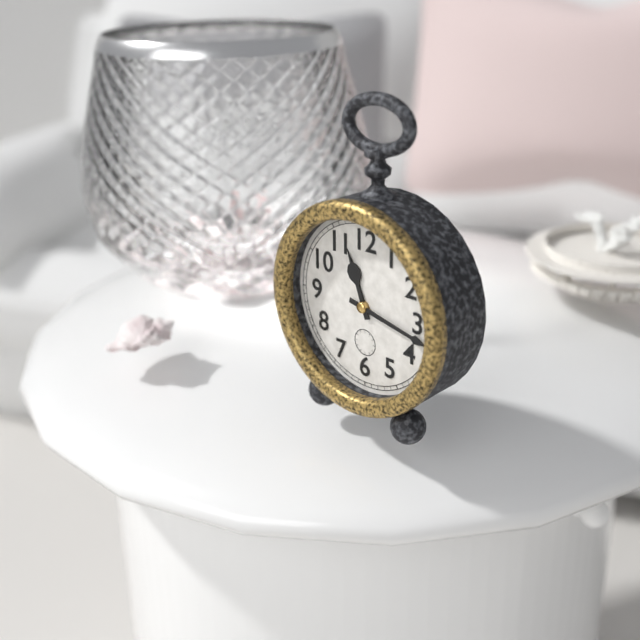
11h17
